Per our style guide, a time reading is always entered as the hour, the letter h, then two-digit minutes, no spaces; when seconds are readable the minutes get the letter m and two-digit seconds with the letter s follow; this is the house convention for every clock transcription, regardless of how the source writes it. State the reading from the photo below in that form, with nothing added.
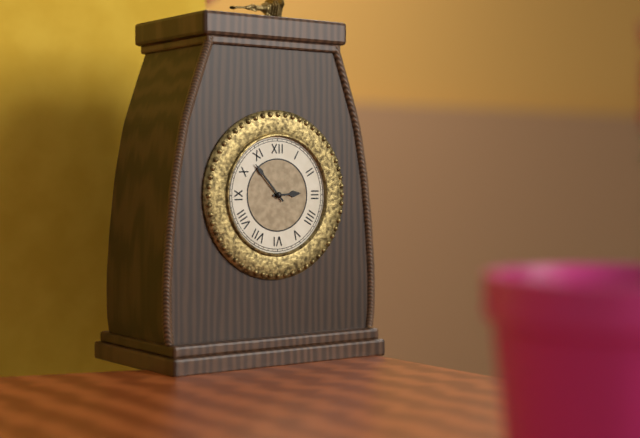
2h53
